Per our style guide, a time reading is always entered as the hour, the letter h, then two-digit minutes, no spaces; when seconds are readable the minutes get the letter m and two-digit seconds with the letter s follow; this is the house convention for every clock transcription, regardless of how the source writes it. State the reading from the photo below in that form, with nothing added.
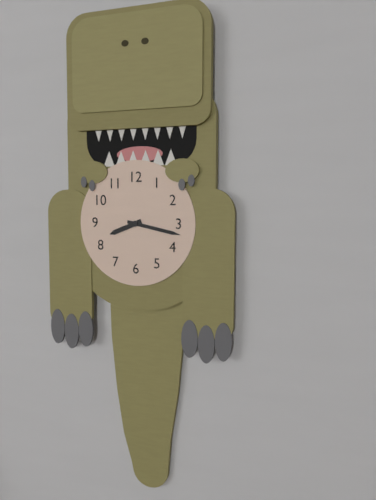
8h17
